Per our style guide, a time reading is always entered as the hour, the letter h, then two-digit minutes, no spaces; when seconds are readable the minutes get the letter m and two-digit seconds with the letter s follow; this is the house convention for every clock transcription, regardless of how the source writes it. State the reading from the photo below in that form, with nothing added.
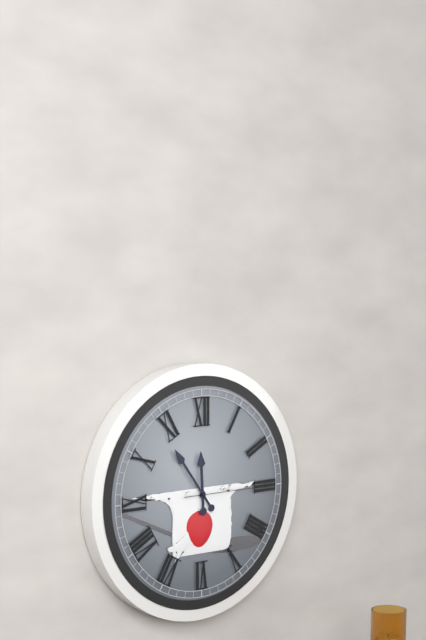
11h54m15s
